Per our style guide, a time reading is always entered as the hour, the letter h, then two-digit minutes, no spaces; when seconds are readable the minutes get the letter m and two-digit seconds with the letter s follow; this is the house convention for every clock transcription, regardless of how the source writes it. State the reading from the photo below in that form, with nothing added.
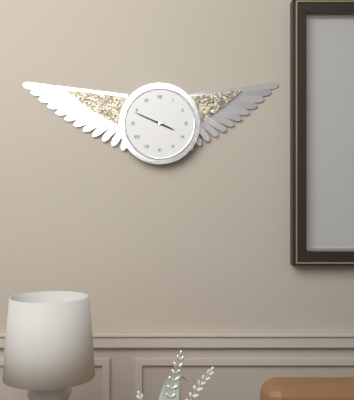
3h49
